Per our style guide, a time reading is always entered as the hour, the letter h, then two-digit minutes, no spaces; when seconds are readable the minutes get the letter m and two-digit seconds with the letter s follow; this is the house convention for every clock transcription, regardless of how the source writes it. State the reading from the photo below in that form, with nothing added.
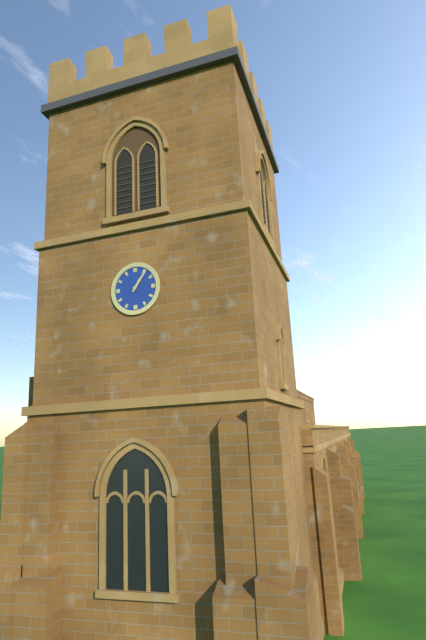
1h06
